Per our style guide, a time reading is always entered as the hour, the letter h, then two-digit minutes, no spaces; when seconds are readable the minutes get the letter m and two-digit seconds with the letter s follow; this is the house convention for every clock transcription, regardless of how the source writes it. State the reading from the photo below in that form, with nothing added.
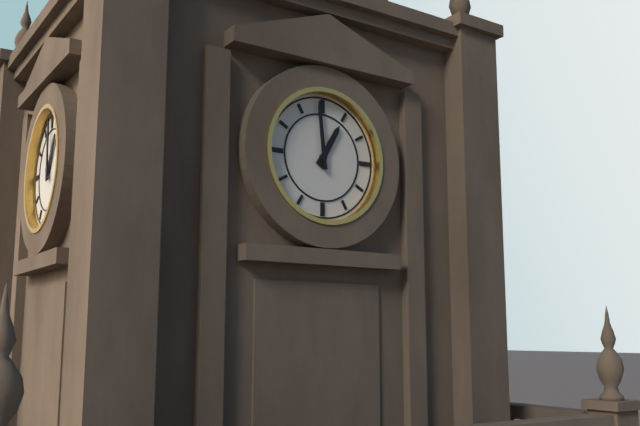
12h59
